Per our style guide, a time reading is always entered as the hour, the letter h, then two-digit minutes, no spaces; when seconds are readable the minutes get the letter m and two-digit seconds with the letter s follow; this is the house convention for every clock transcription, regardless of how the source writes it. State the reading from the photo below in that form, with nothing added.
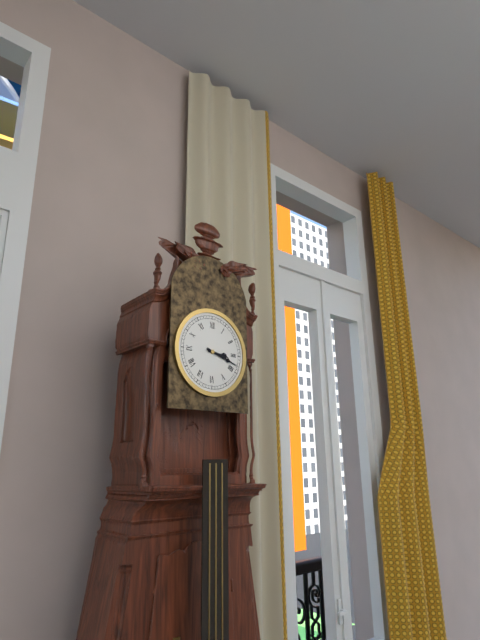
3h18
